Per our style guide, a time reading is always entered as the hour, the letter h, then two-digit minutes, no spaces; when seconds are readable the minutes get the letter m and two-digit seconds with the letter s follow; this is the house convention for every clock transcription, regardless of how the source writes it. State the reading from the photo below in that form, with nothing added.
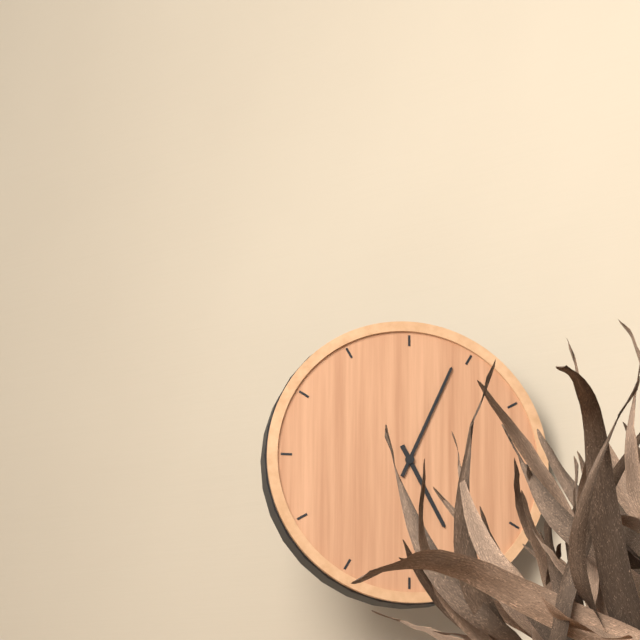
5h04
